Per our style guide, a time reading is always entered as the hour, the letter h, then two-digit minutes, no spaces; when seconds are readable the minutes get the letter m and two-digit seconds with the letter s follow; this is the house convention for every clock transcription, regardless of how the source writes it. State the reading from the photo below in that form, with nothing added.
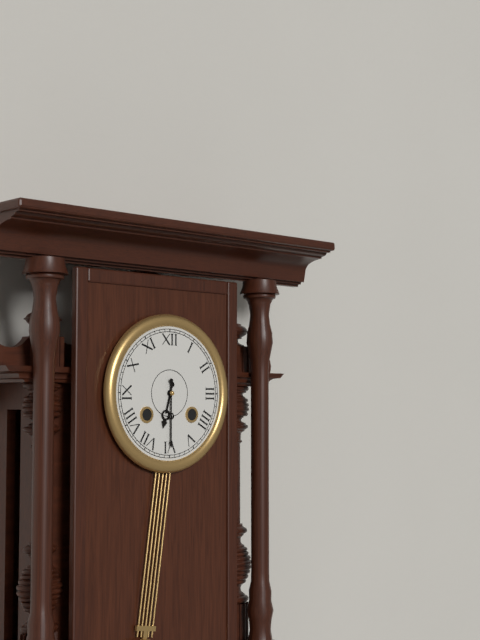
6h30
